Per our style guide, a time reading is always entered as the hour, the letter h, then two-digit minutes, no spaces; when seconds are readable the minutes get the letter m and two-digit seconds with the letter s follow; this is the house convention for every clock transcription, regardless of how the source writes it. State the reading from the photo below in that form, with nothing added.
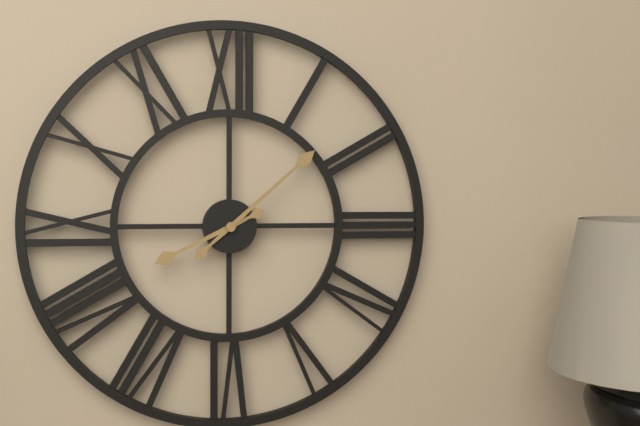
8h08
